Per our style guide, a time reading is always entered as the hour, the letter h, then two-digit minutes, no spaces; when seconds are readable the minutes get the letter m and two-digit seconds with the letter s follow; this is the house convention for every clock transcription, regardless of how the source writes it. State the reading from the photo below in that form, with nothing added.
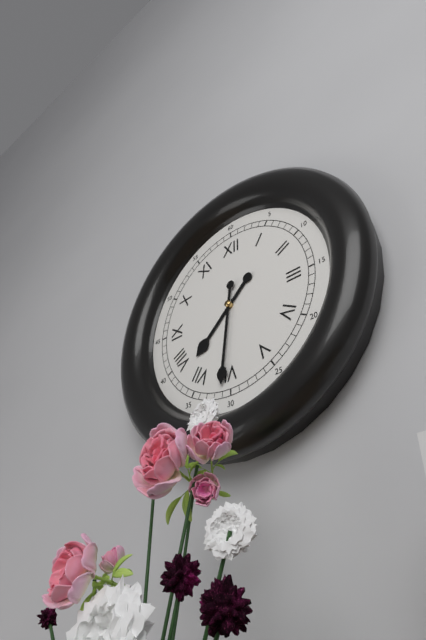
7h31
